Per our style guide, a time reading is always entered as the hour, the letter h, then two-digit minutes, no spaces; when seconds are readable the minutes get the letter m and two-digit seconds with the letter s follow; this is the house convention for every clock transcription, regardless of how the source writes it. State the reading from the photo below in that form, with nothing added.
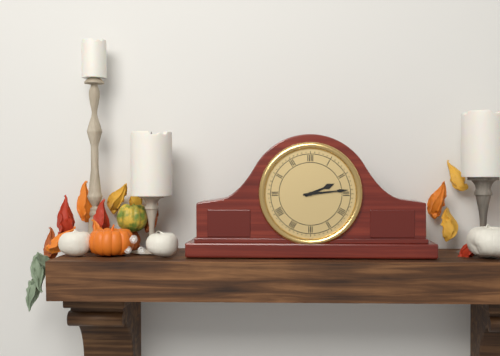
2h14
